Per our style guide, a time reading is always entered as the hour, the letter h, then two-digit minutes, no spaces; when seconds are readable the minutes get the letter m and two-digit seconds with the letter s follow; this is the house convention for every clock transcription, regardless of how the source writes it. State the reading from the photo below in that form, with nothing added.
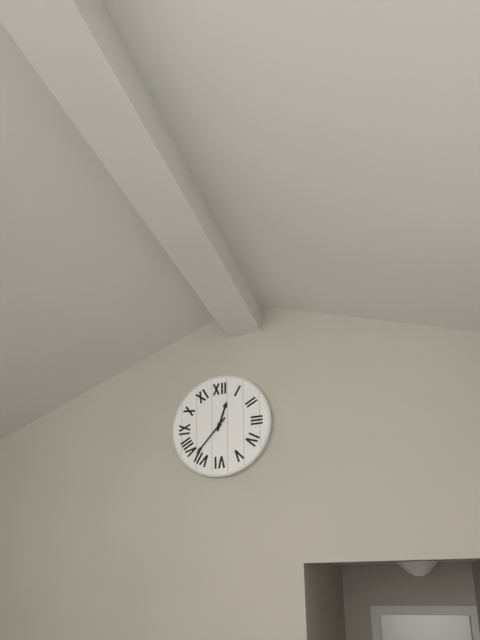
12h37
